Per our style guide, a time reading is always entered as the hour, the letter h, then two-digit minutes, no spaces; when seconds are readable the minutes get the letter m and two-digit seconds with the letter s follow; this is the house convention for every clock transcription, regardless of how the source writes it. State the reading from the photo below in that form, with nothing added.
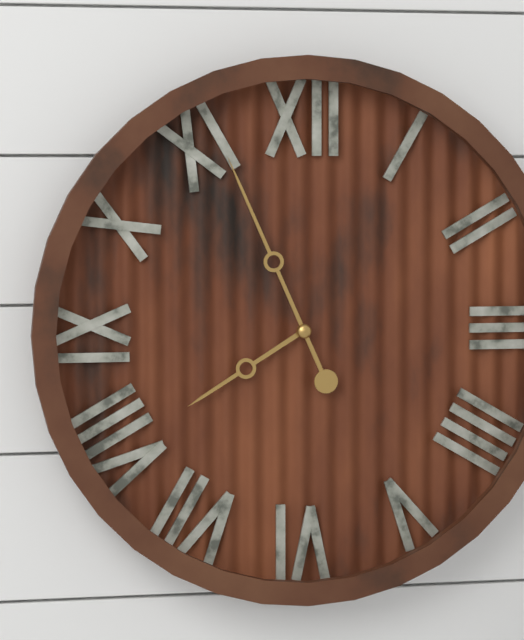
7h56
